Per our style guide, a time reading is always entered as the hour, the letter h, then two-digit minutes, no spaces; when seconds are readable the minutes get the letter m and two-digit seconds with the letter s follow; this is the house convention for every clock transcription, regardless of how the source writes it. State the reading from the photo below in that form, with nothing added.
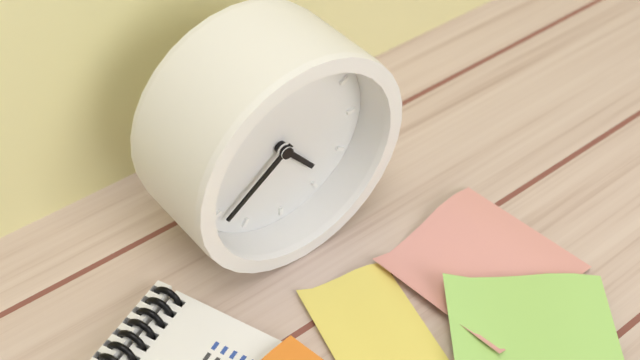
4h39
